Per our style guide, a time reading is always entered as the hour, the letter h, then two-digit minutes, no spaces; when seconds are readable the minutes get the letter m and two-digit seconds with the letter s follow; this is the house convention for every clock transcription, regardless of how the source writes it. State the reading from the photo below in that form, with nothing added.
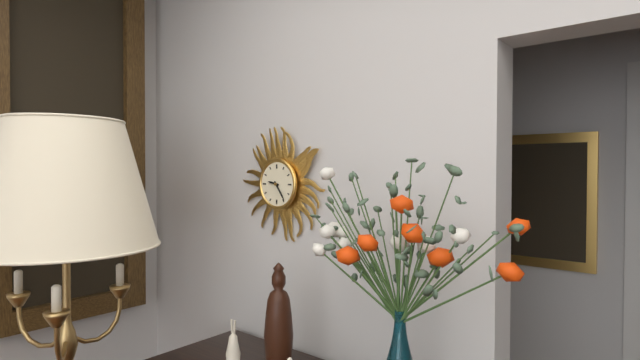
9h24
